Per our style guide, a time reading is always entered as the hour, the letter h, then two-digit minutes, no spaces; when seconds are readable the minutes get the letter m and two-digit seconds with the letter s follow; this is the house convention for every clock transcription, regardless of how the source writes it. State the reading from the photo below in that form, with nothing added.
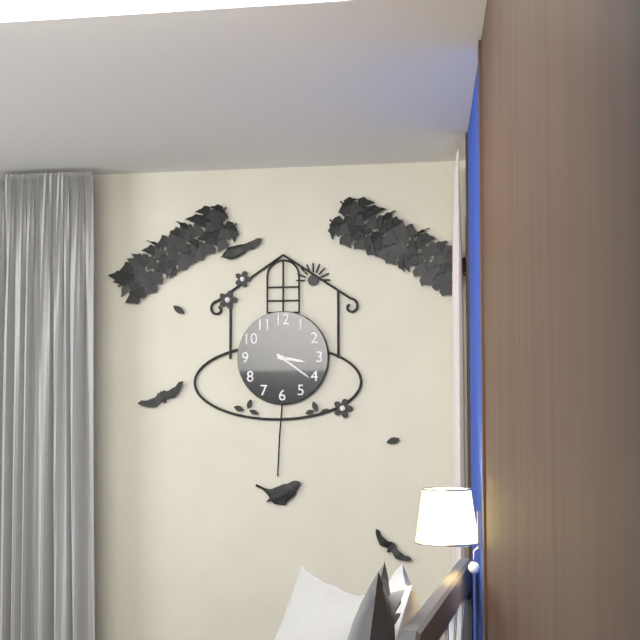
3h21
